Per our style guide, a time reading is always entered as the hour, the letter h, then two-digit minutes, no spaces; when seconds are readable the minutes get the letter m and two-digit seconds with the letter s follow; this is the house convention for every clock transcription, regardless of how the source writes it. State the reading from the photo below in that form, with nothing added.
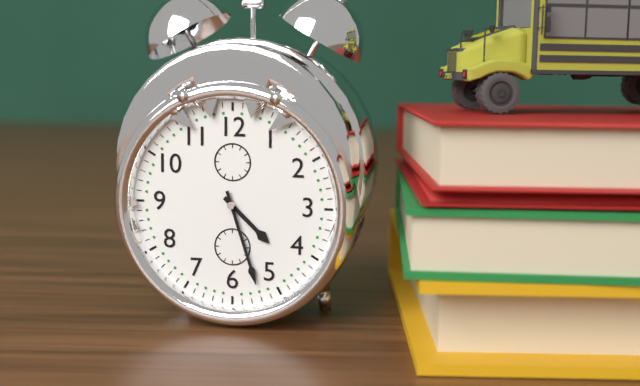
4h27
